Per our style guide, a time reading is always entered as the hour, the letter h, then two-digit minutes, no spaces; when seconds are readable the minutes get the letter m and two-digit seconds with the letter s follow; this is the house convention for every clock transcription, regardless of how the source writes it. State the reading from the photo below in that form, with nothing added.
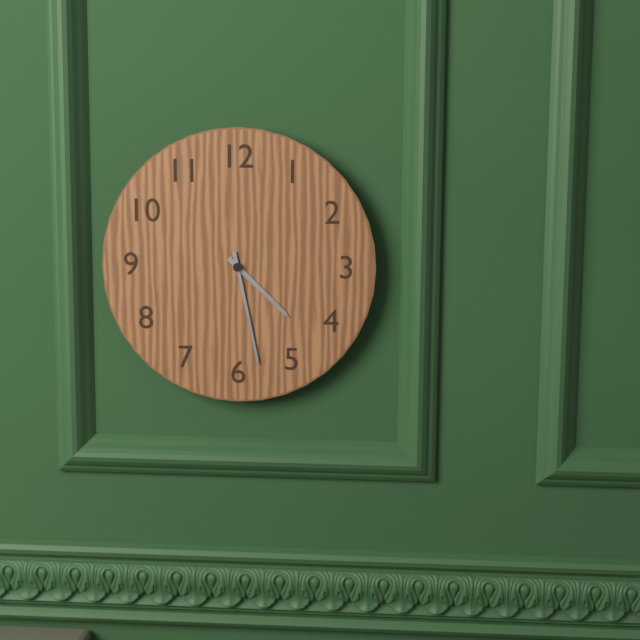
4h28
